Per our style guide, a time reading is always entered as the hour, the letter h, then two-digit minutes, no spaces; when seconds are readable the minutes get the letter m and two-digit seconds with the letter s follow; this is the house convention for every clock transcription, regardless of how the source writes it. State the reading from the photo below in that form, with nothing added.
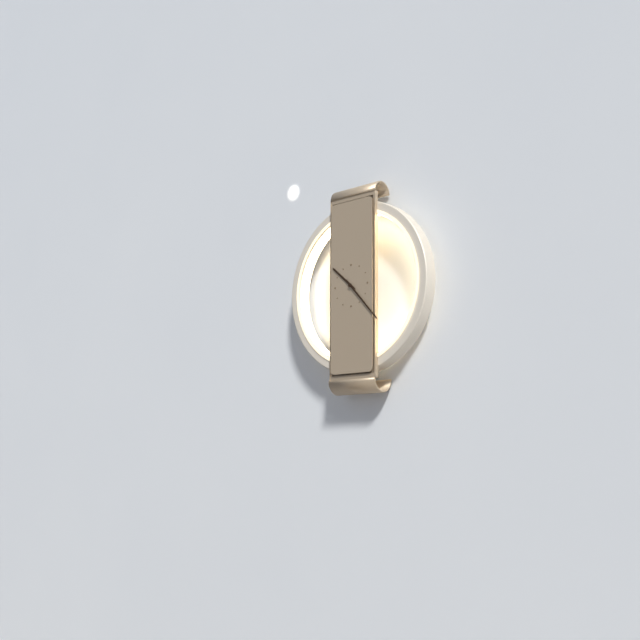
10h23
